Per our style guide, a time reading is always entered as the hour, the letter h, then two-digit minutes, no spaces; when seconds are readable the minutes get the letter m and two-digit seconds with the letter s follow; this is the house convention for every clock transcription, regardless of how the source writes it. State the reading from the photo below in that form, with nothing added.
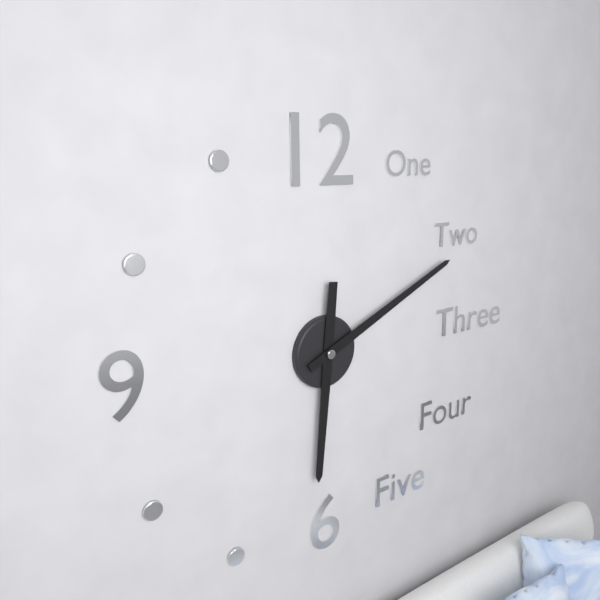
6h11
